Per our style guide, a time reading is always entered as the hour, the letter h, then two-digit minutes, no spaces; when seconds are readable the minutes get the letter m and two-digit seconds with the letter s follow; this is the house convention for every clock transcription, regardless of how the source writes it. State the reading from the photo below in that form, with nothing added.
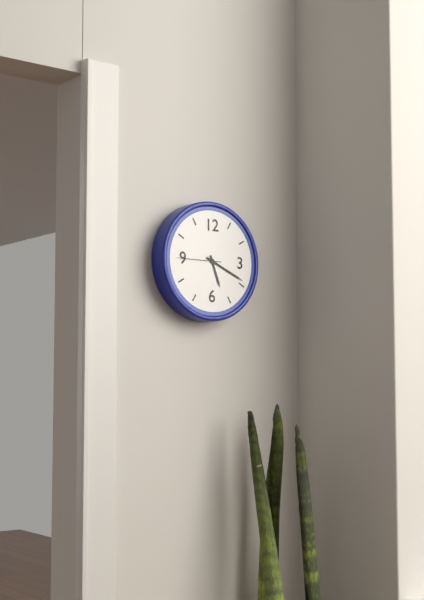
5h19
